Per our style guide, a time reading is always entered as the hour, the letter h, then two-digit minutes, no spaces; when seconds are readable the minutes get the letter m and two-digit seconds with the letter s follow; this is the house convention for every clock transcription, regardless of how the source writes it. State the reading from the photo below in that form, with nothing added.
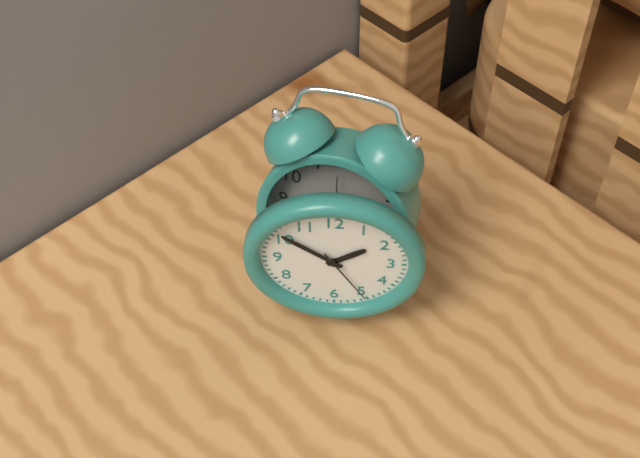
1h51m25s
